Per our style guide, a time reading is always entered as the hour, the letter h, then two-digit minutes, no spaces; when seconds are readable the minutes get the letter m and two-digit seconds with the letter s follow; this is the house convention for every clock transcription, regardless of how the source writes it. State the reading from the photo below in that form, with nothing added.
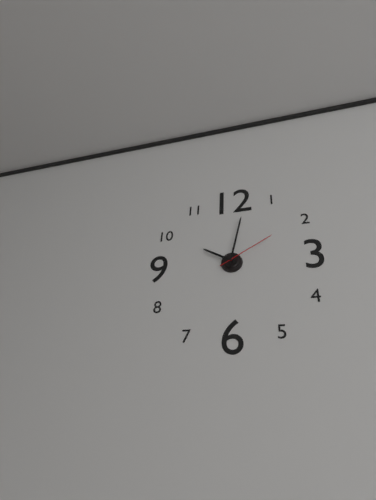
10h02m10s
